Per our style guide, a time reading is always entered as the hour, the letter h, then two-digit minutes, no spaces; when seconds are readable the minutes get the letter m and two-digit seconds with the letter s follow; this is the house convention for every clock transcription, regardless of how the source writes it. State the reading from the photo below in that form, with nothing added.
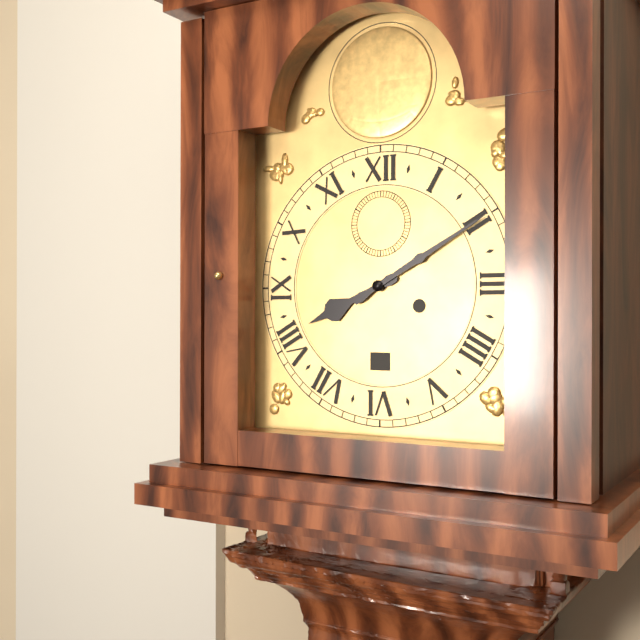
8h10
